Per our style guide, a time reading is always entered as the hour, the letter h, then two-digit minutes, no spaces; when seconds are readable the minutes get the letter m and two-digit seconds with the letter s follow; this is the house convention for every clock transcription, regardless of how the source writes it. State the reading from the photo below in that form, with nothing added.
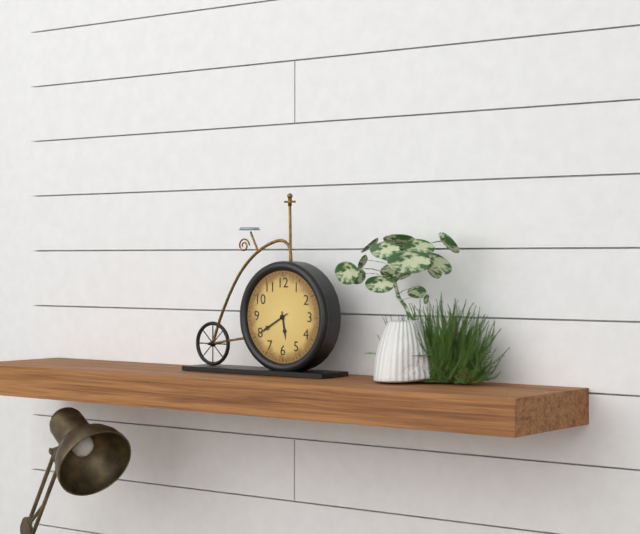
5h40
